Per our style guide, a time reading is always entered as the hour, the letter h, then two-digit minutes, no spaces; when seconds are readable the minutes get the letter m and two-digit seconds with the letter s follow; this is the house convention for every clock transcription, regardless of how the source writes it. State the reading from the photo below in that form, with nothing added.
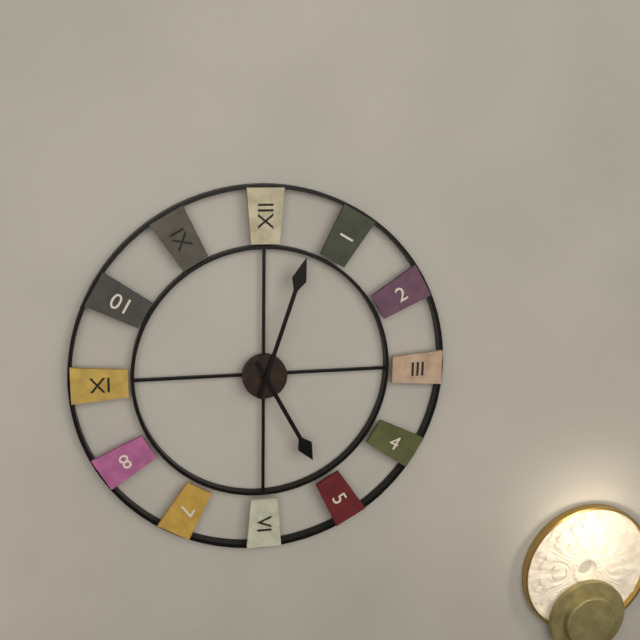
5h03
